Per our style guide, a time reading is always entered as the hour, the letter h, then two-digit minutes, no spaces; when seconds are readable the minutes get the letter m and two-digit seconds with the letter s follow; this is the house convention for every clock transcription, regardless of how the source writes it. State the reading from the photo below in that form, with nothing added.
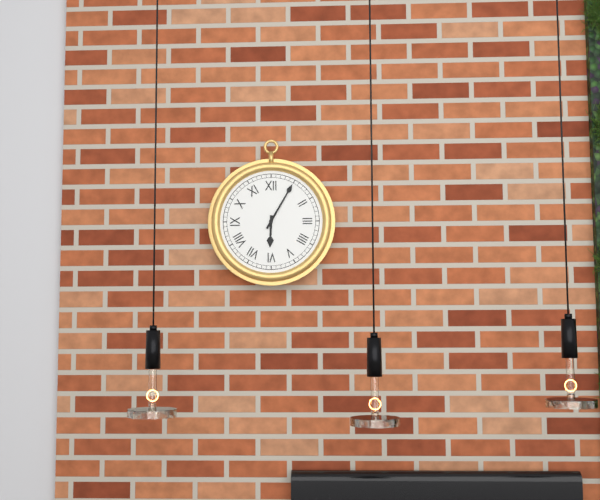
6h05
